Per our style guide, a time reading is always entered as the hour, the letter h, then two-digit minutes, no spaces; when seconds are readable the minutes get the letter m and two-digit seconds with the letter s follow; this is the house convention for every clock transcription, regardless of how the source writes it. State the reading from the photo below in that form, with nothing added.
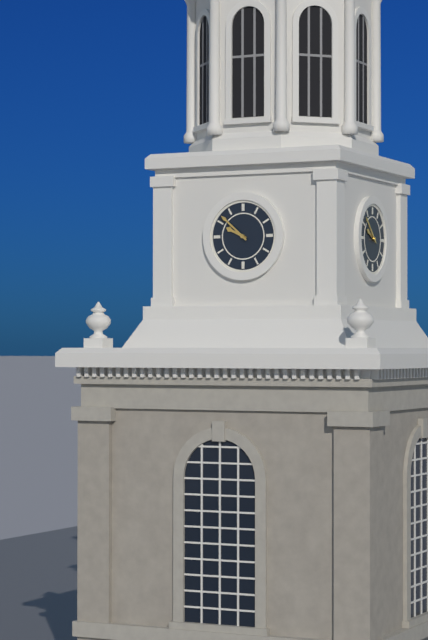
9h52
